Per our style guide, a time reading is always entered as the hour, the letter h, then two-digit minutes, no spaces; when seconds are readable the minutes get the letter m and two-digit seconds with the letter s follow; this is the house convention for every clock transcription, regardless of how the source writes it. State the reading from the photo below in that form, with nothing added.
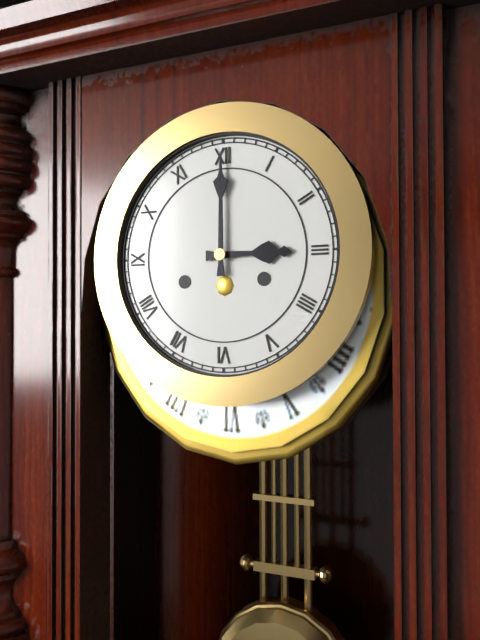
3h00
